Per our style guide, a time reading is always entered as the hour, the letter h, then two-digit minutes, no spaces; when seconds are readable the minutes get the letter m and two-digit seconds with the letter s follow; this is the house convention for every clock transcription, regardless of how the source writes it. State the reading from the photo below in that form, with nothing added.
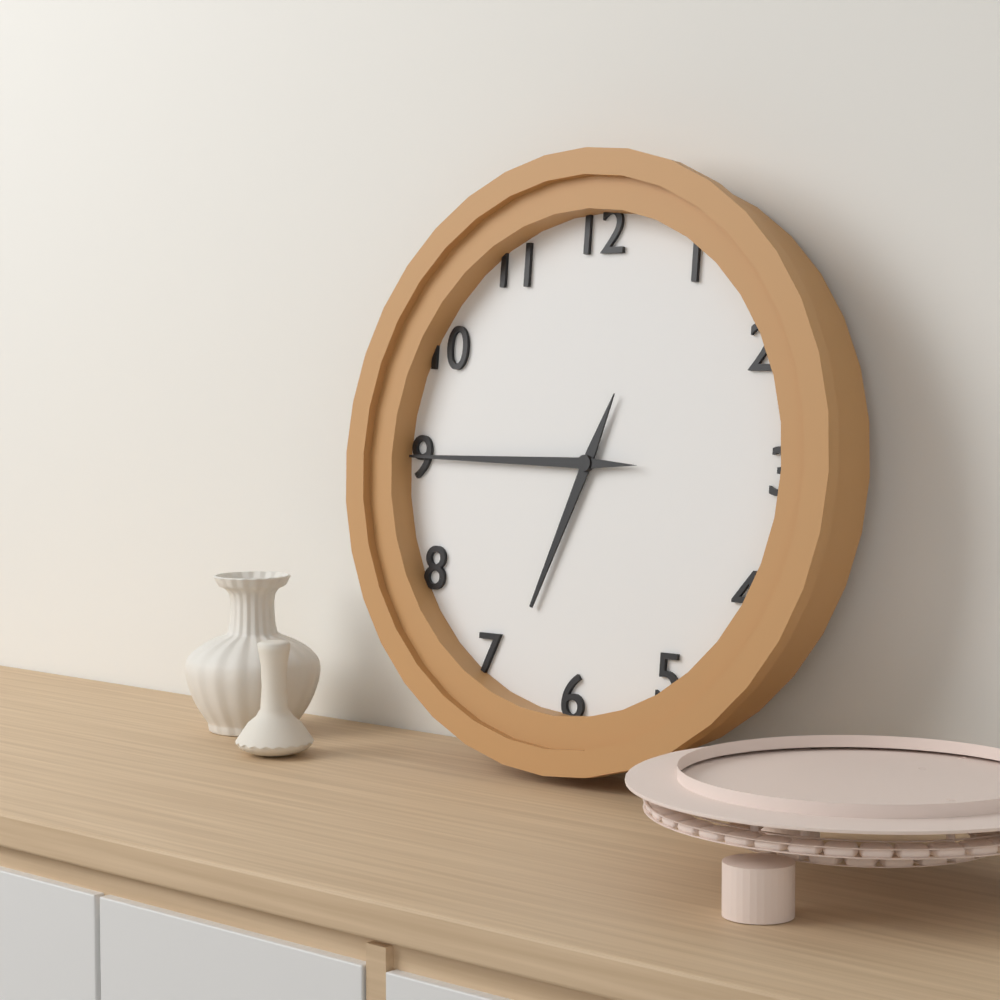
6h45
